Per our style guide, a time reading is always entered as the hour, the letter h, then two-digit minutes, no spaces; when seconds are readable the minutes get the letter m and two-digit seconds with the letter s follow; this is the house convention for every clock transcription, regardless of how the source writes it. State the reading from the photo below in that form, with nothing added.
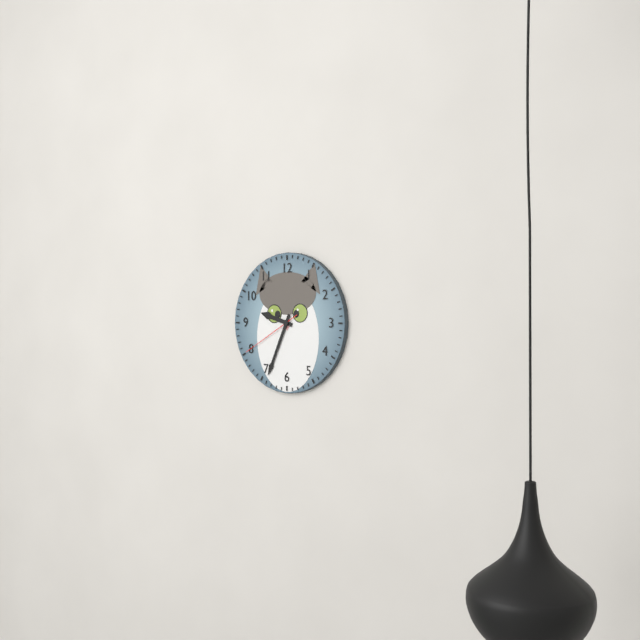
9h34m40s
